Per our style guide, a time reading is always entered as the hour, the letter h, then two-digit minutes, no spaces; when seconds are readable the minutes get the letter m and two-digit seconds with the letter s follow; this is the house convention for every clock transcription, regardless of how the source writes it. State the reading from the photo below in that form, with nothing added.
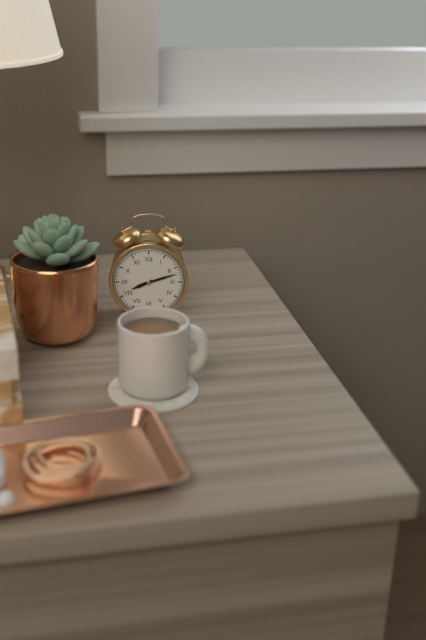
8h12
